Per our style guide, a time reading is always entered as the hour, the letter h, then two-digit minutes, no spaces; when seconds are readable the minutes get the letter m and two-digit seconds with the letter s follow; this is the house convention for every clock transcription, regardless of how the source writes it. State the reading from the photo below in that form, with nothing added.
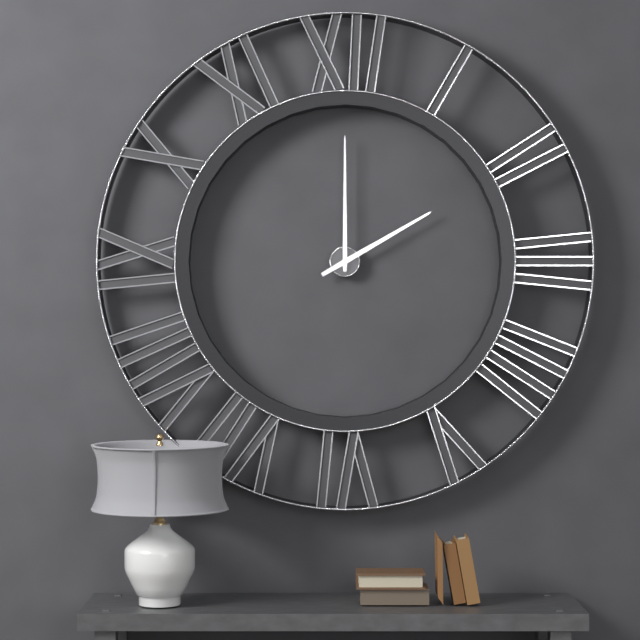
2h00
